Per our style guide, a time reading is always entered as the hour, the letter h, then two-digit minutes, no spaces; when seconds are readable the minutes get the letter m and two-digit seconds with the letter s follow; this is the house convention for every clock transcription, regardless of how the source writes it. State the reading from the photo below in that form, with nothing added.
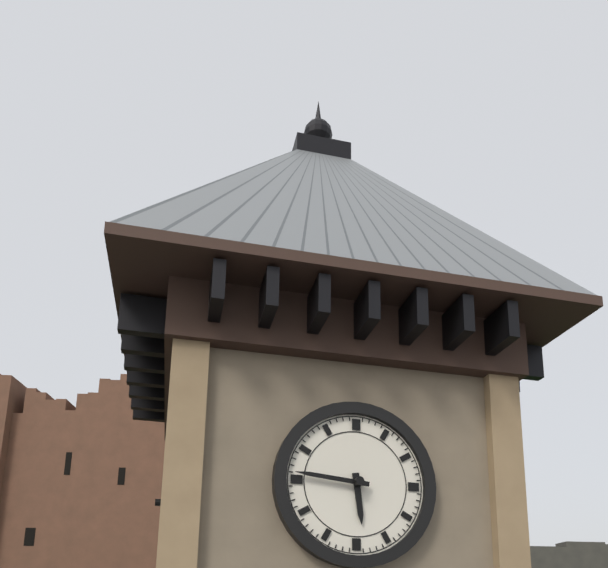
5h46
